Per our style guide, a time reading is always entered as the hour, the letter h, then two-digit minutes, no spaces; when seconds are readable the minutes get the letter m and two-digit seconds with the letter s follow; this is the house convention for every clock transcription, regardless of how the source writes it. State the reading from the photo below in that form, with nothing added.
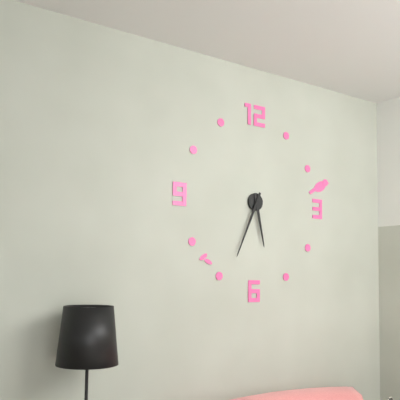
5h34
